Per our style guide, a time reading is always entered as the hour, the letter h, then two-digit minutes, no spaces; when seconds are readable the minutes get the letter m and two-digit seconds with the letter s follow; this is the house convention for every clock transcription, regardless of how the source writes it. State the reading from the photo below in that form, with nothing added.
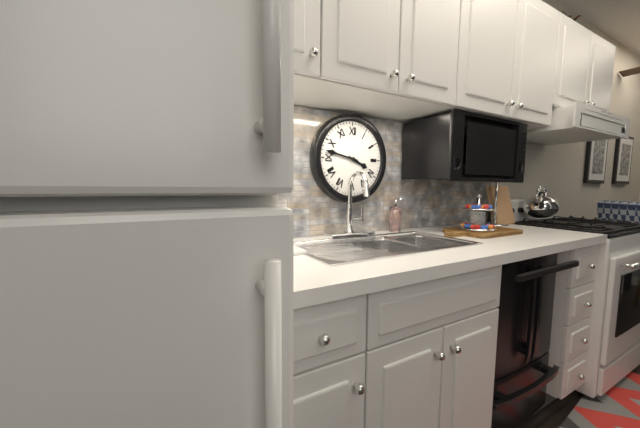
3h47
